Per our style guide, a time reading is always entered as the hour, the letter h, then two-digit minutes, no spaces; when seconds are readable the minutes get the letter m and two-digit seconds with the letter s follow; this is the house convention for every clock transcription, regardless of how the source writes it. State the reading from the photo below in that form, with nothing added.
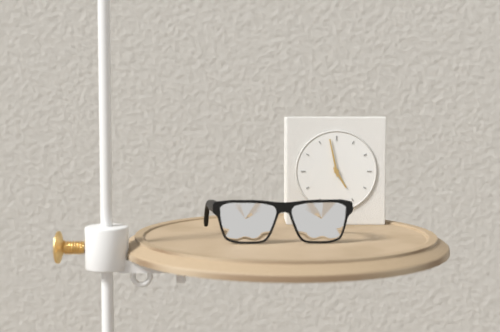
4h58
